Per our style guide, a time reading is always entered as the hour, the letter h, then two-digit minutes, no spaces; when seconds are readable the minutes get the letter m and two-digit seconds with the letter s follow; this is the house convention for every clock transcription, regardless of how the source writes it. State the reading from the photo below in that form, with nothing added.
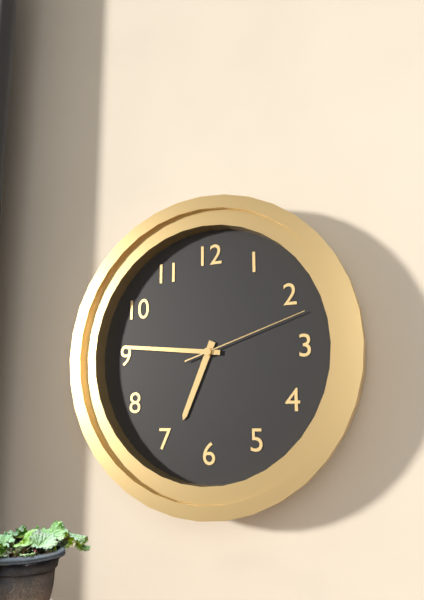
6h46m12s
